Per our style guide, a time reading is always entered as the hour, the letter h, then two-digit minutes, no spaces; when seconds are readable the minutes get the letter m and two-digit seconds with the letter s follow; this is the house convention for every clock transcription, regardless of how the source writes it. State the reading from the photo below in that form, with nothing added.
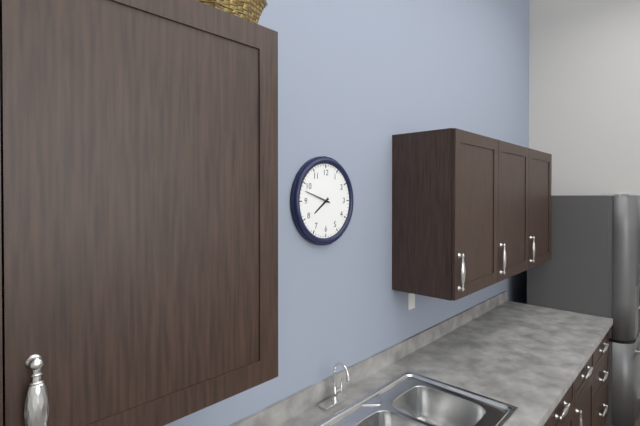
7h48
